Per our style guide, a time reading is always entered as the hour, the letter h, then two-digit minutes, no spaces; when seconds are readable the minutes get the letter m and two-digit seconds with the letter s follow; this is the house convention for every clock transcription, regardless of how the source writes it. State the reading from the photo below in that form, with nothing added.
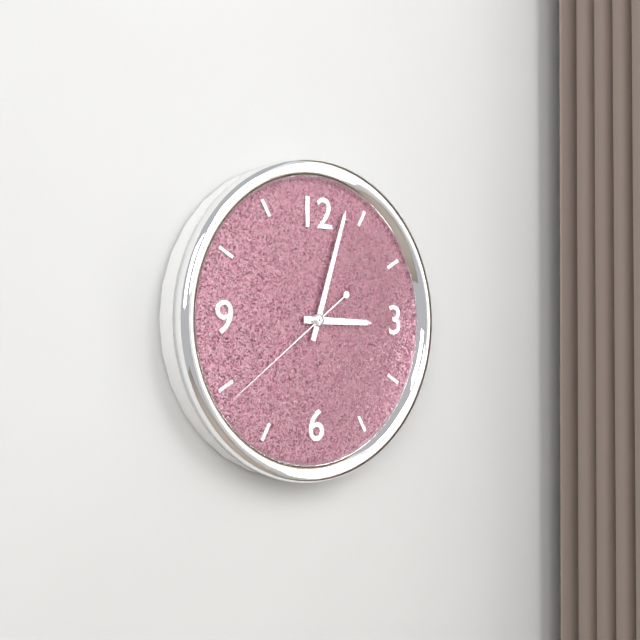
3h03m39s
